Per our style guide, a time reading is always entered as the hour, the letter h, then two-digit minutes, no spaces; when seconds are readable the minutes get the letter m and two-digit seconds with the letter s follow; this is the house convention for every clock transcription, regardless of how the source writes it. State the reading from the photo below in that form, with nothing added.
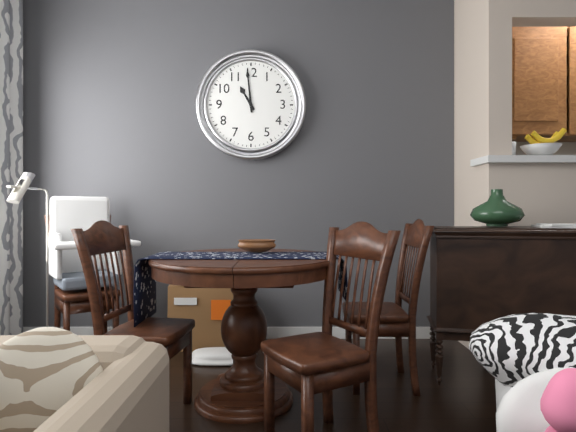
10h59
